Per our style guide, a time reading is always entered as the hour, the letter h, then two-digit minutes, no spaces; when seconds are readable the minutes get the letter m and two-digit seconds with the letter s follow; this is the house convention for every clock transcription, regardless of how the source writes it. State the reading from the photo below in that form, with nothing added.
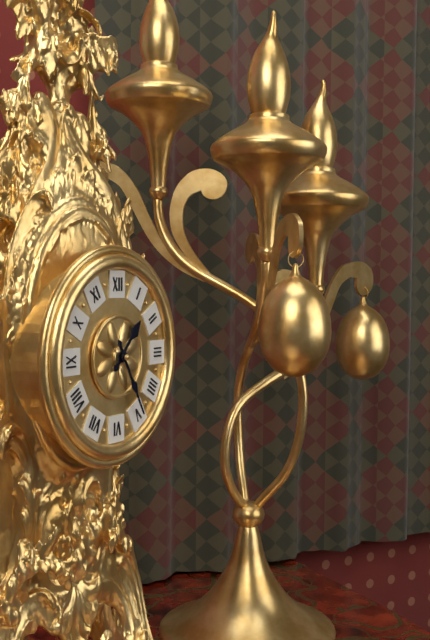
1h25
